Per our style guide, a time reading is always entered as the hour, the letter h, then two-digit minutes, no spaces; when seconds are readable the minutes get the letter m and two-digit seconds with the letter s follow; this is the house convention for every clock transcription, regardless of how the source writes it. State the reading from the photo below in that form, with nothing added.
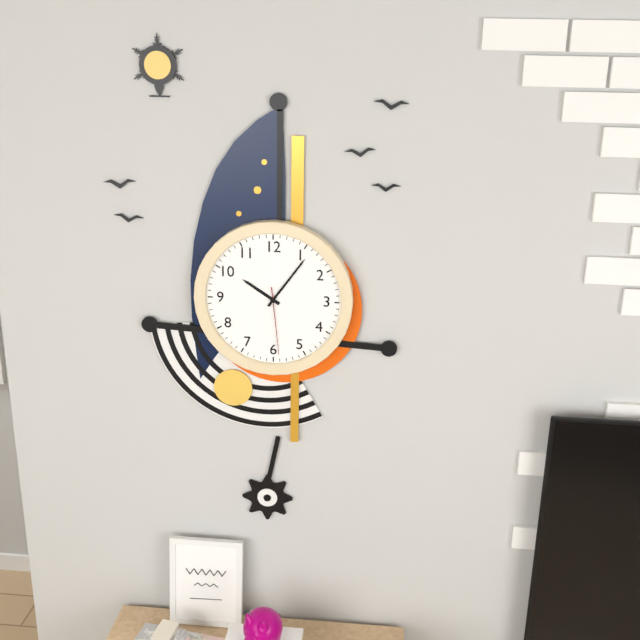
10h06m29s
